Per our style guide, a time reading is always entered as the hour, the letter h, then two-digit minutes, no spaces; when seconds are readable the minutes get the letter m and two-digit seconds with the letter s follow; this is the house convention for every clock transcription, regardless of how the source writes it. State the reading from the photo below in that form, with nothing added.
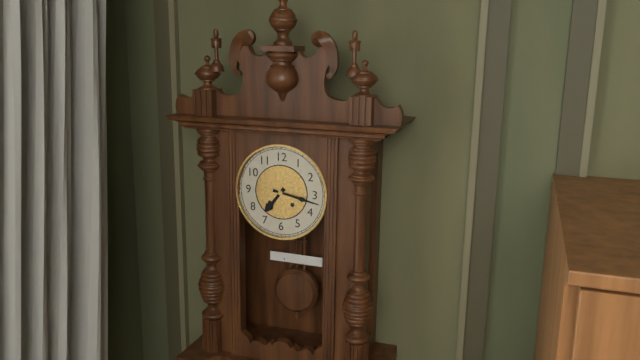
7h17
